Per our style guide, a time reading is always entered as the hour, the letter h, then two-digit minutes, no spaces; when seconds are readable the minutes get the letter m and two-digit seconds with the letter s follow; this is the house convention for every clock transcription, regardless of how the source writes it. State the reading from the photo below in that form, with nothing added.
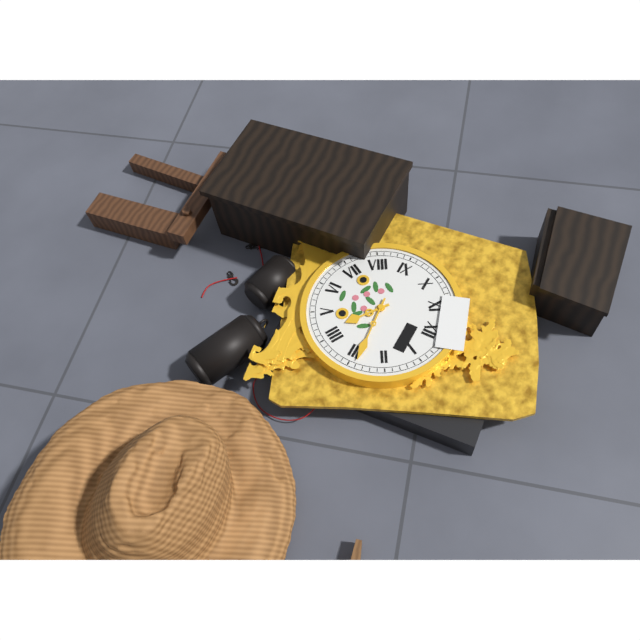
4h14
